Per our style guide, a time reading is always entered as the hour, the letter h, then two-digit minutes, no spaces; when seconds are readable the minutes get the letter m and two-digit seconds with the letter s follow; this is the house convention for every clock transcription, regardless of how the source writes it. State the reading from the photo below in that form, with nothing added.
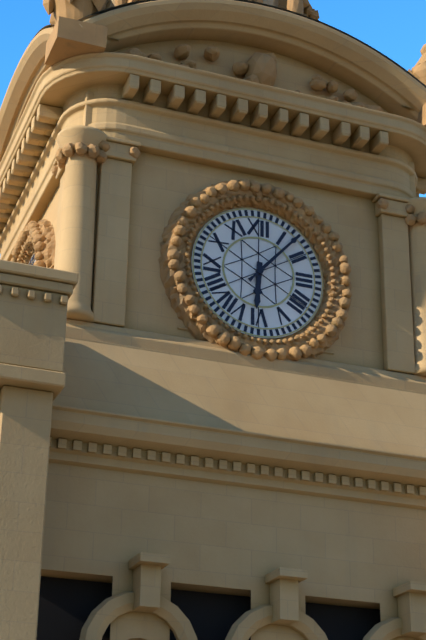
6h07
